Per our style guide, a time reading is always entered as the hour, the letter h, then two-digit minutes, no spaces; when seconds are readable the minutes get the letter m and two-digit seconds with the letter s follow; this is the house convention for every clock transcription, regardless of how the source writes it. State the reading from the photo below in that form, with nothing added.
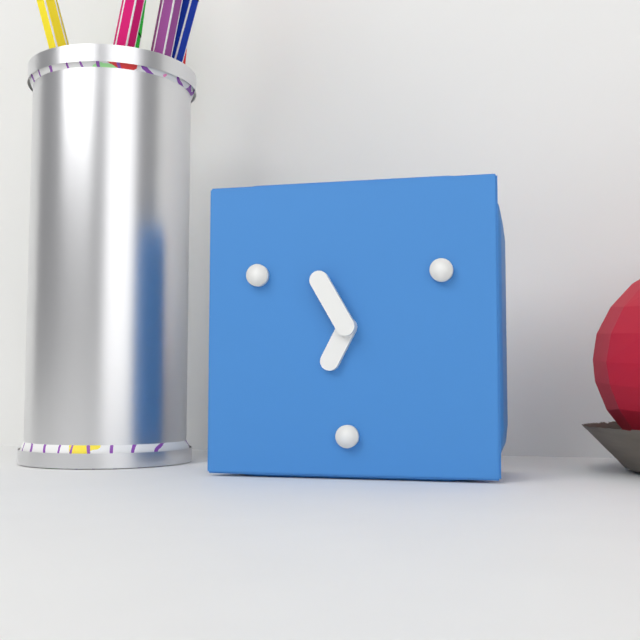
6h55
